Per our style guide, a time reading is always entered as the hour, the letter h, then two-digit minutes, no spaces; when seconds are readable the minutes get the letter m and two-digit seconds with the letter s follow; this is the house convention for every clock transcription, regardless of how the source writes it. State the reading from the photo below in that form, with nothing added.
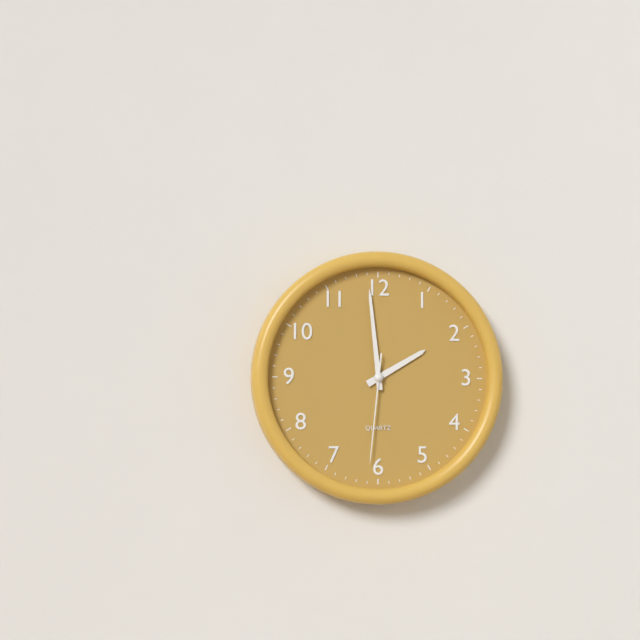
1h59m31s
